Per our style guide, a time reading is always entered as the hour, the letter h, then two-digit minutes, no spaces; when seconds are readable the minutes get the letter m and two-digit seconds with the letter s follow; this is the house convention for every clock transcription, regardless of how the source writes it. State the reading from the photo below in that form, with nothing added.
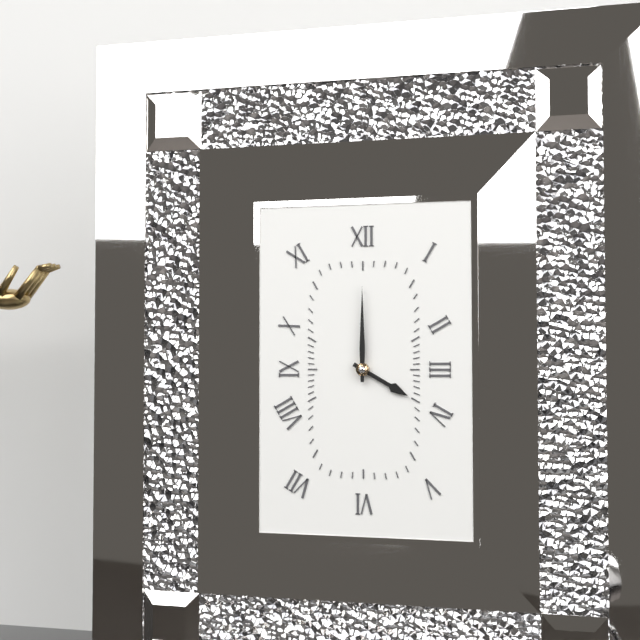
4h00
